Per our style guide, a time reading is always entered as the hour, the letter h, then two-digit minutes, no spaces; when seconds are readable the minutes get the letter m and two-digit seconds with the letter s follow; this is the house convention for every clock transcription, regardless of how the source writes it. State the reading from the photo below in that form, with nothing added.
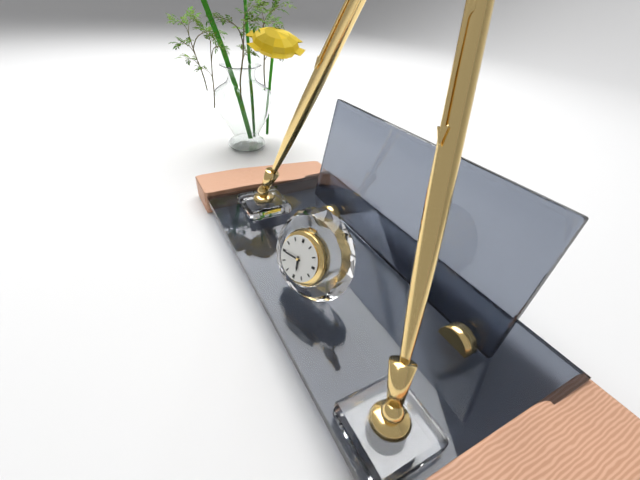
5h45
